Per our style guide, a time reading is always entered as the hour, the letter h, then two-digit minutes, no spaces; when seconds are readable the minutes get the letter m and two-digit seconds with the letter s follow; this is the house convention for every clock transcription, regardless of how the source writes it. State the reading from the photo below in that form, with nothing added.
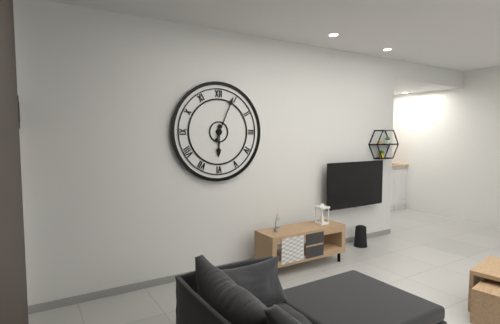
6h04
